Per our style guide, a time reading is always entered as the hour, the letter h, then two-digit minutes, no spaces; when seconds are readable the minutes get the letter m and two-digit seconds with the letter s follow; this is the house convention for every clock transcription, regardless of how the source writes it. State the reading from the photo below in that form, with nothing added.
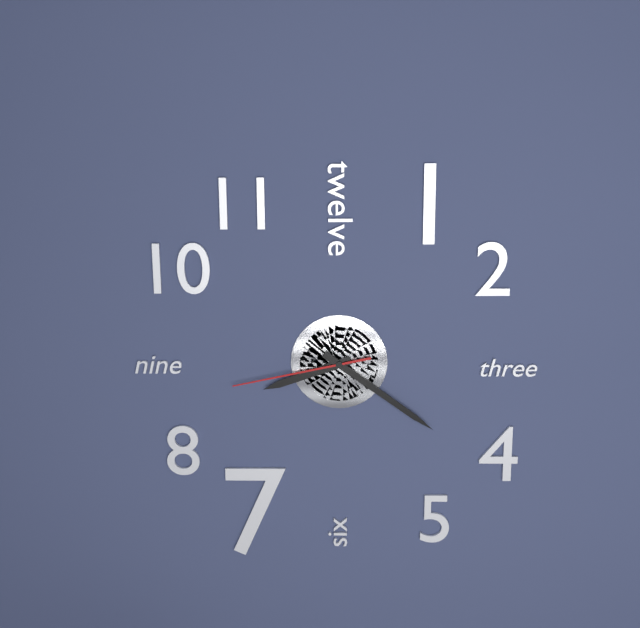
8h21m43s
